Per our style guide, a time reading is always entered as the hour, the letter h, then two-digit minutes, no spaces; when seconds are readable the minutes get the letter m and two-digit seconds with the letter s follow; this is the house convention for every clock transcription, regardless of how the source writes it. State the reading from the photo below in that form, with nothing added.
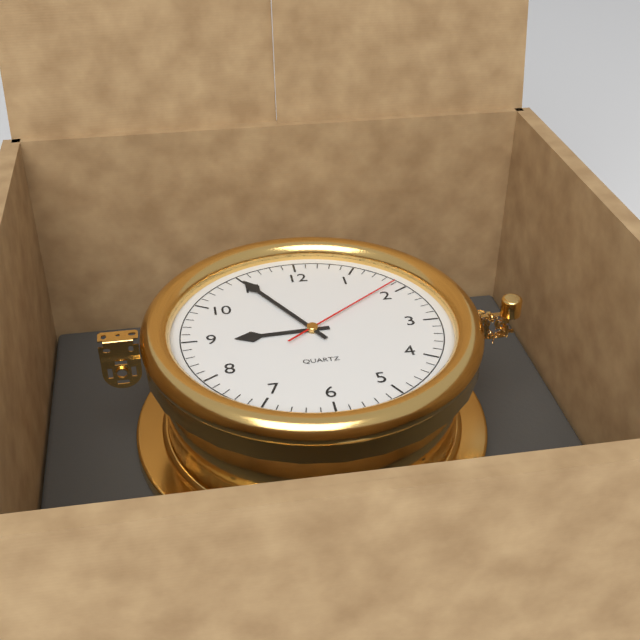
8h55m09s
